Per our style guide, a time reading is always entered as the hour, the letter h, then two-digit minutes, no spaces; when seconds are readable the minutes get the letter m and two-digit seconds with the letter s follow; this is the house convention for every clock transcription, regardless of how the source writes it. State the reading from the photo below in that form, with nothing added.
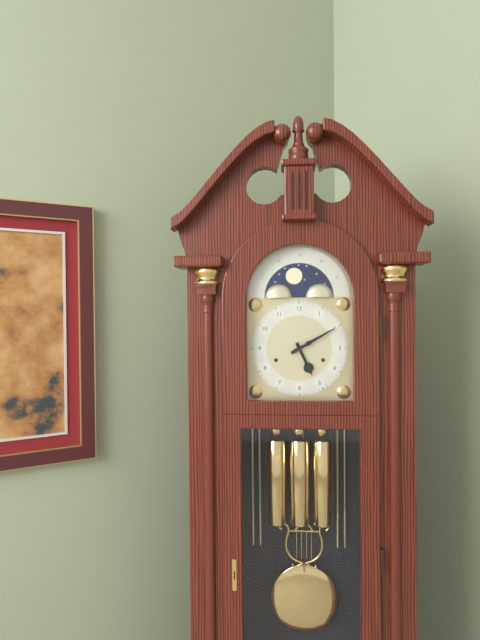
5h10
